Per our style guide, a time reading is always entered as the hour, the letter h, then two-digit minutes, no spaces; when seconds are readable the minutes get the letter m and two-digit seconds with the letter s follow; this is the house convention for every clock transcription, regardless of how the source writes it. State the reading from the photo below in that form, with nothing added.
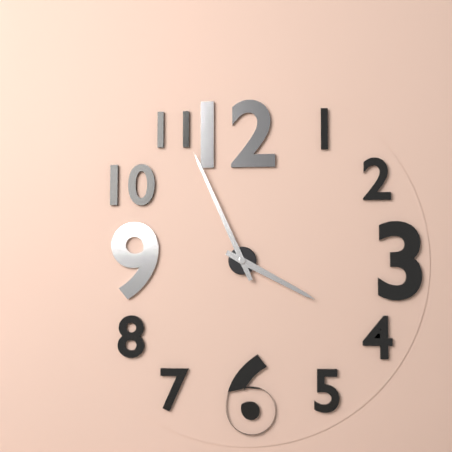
3h56
